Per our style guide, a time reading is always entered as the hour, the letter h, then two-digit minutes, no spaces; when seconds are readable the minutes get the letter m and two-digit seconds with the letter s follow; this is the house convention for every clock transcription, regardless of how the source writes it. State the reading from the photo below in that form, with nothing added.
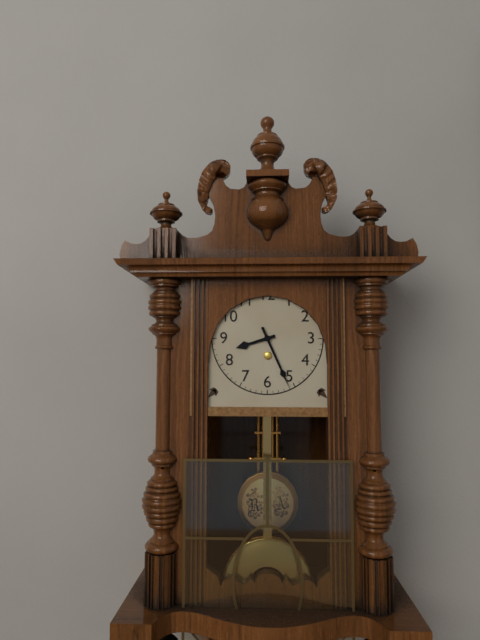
8h26
